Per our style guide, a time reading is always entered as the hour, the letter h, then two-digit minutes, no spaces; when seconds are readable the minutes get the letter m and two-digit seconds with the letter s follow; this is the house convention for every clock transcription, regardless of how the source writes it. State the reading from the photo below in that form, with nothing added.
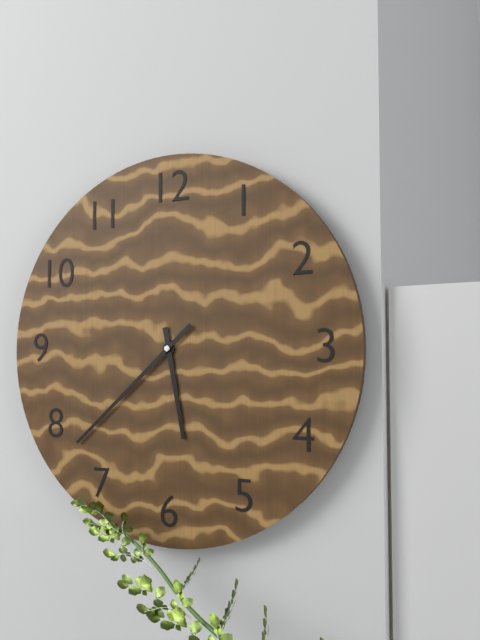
5h38
